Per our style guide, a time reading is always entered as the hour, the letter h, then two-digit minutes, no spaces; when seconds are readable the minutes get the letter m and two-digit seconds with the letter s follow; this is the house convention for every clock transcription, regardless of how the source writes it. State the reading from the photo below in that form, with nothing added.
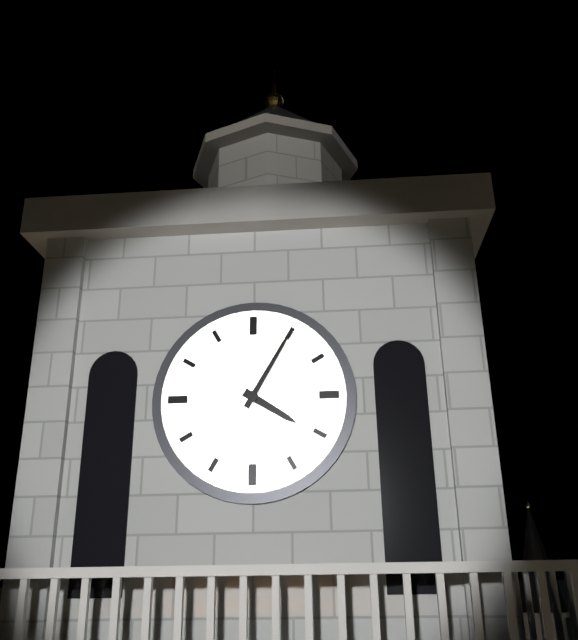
4h05
